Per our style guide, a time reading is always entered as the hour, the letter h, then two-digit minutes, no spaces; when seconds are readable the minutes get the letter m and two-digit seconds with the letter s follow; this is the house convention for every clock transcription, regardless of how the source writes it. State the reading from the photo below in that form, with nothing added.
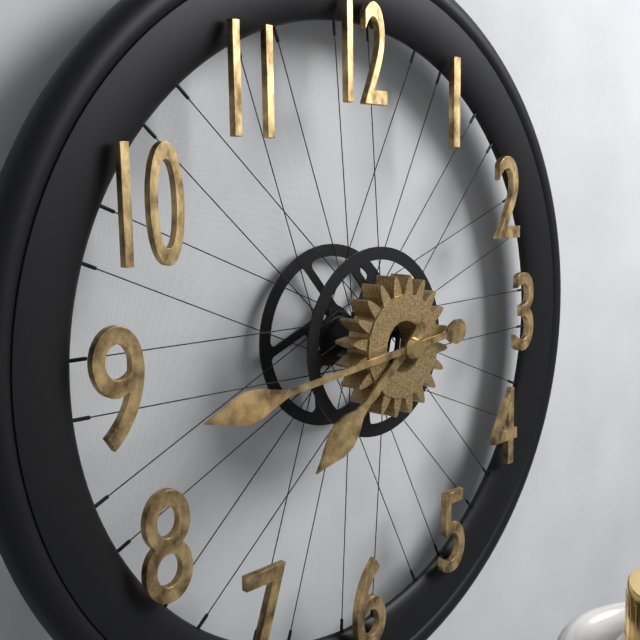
7h44
